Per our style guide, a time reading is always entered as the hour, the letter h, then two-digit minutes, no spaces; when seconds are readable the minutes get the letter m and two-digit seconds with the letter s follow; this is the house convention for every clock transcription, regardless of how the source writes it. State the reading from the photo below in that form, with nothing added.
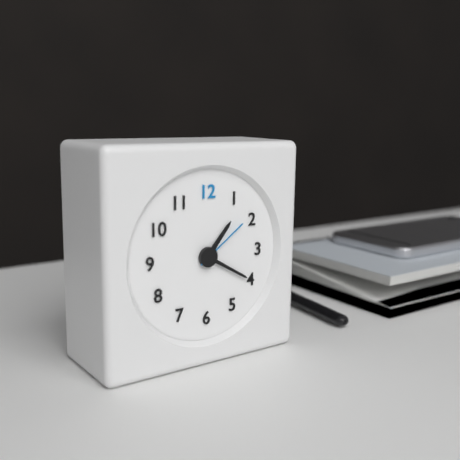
1h20m09s
